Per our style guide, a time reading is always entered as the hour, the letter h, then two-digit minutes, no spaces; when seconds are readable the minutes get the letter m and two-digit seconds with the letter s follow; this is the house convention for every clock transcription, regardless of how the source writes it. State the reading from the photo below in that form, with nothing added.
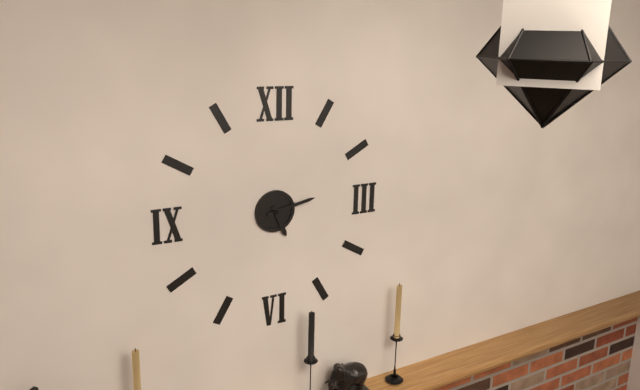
5h13
